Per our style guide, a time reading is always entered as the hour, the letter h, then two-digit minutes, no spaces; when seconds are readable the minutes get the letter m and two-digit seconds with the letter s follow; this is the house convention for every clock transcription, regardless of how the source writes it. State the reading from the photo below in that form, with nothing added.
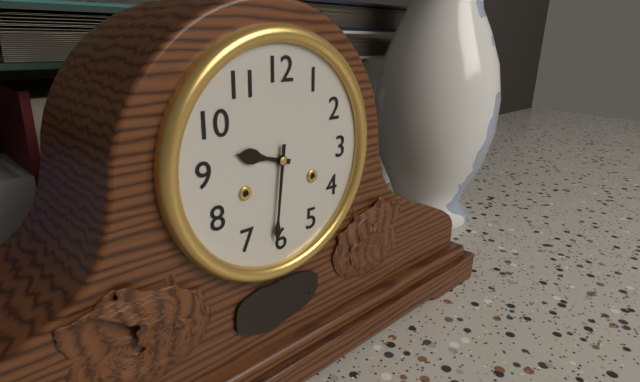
9h31
